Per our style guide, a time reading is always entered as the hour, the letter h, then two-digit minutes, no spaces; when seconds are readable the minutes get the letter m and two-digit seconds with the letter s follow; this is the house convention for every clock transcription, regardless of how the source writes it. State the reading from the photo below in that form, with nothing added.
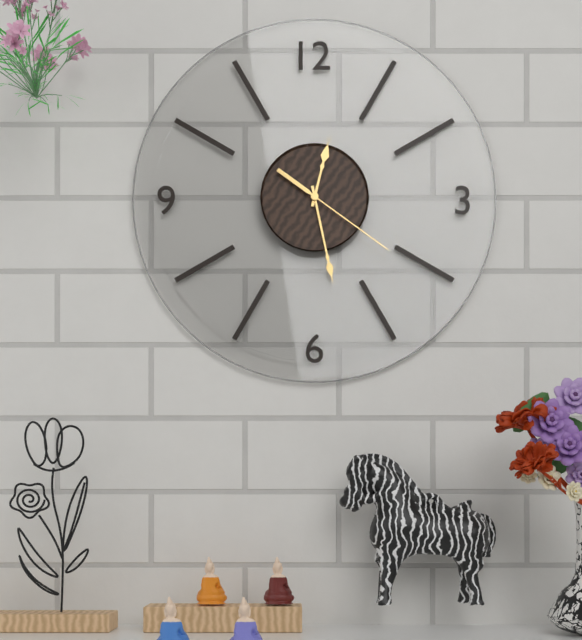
12h28m21s
